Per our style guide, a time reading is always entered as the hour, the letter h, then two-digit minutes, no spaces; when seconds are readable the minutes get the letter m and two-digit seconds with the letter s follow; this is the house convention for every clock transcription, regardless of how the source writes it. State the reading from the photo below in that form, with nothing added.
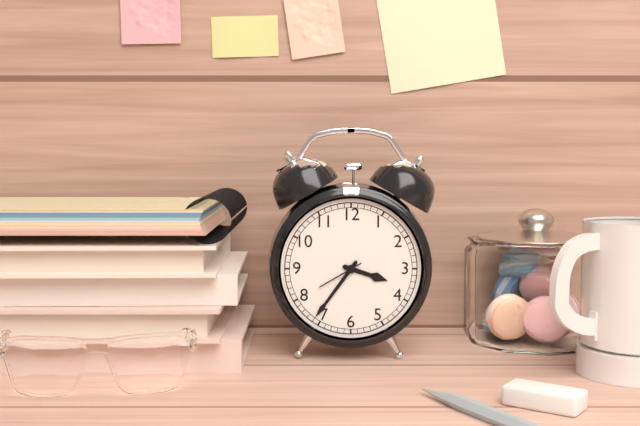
3h36
